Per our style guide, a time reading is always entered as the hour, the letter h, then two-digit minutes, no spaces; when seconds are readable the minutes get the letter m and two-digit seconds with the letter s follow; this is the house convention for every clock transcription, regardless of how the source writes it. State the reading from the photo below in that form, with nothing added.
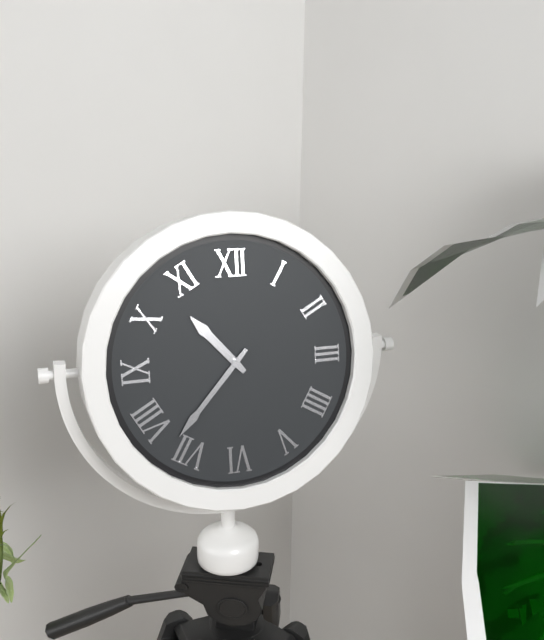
10h37
